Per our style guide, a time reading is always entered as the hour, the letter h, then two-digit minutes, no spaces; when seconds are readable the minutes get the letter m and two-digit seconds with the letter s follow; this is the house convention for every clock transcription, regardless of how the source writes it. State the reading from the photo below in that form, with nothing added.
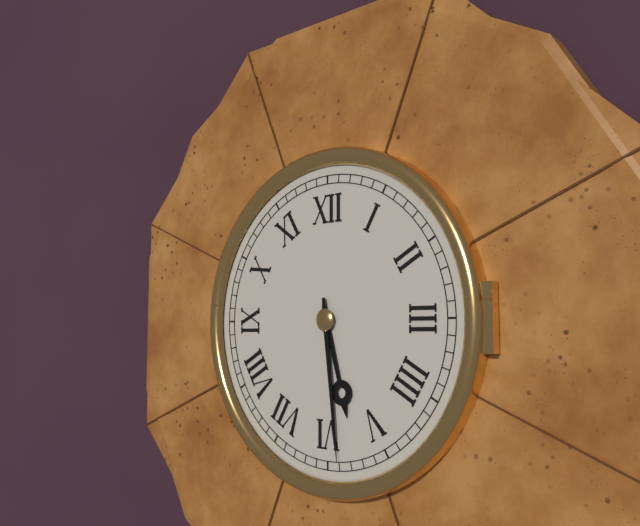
5h29
